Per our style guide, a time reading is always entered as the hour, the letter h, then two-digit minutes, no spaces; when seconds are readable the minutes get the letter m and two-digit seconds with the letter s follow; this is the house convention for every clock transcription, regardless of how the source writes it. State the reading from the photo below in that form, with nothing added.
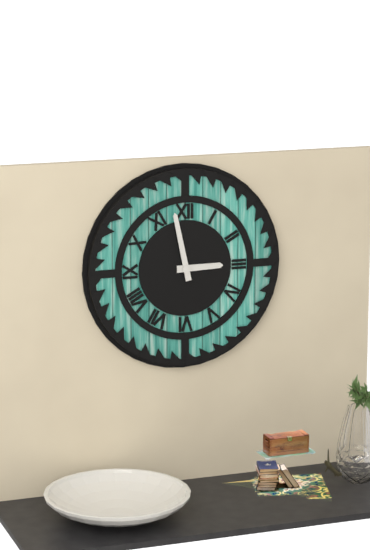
2h58
